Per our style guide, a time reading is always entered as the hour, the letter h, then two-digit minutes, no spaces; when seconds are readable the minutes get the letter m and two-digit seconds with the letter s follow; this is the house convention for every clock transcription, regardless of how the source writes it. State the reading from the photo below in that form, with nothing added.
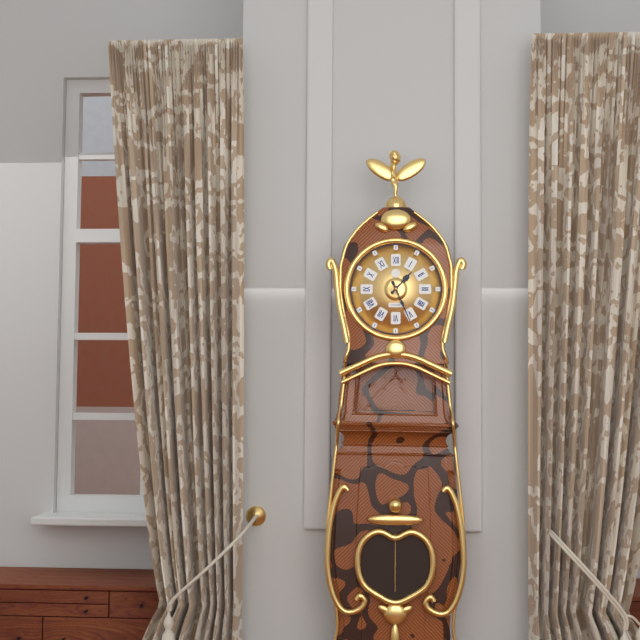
1h26
